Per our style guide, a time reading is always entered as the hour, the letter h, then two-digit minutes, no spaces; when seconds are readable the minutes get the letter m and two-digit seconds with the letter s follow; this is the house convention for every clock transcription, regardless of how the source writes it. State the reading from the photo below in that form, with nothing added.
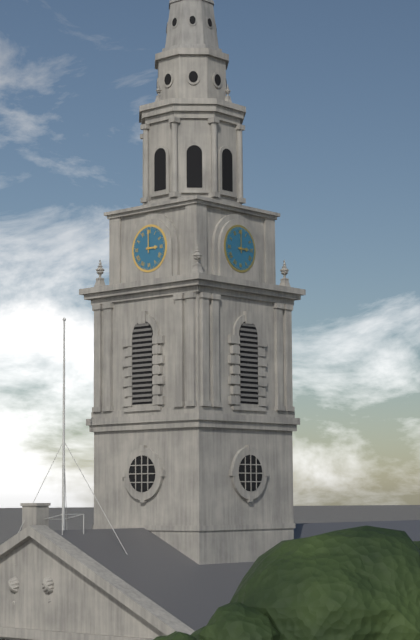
3h00
